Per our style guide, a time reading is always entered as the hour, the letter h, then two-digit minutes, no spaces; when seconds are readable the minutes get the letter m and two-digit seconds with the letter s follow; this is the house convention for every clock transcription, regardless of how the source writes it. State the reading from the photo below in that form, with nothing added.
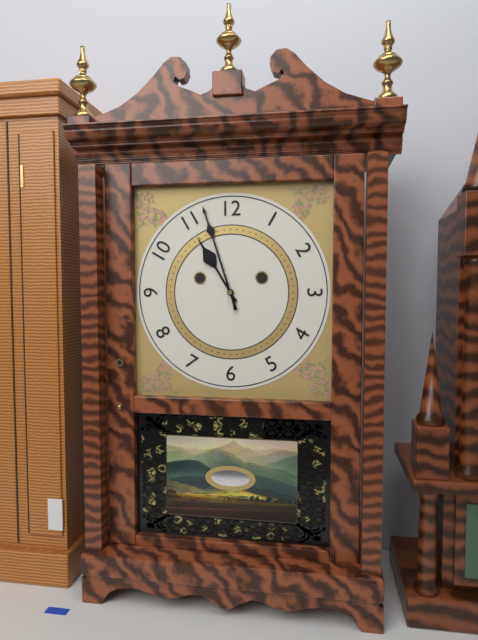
10h57
